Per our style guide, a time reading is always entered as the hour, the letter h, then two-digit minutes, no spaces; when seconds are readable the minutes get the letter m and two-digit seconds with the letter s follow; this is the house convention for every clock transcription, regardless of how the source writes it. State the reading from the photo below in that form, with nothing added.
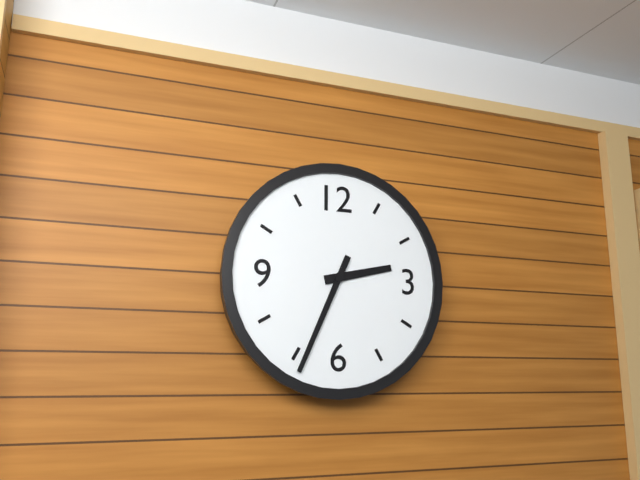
2h34
